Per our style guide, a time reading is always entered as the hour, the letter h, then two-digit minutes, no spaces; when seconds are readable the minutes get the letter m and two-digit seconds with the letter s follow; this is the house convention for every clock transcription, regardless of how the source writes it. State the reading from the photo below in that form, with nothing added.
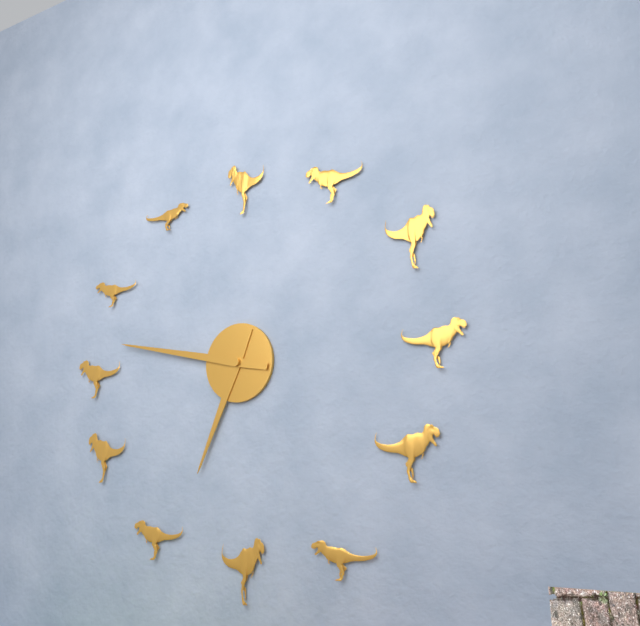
6h47
